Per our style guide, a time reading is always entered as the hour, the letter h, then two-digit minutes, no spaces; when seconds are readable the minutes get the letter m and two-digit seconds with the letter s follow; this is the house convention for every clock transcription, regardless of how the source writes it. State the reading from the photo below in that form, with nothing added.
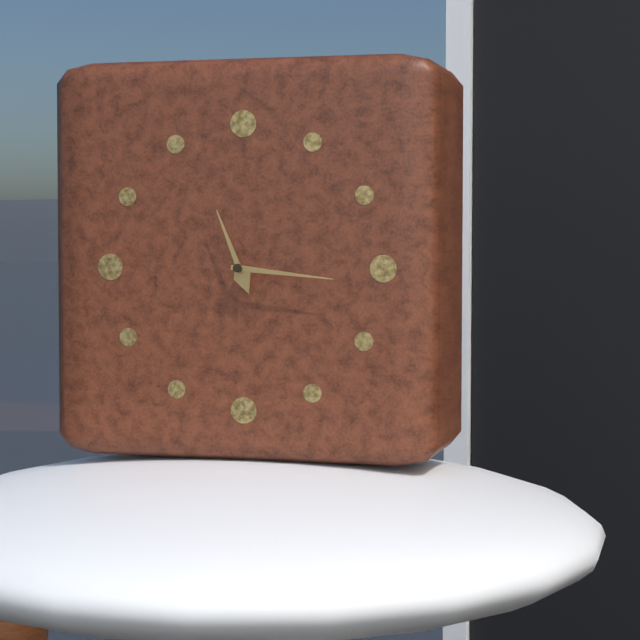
11h16
